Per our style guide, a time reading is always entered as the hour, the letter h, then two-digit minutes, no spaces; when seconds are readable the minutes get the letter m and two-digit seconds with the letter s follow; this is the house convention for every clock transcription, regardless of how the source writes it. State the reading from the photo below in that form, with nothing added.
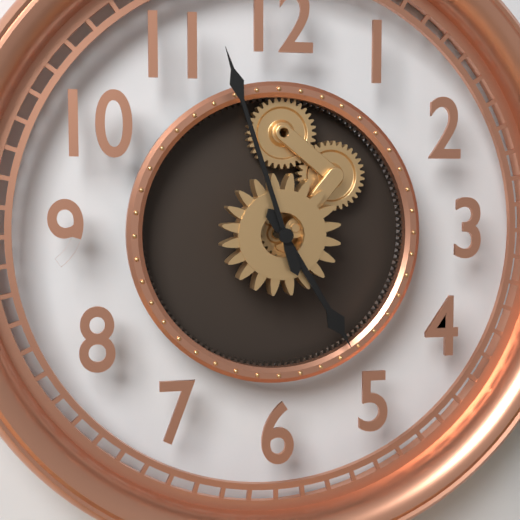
4h57
